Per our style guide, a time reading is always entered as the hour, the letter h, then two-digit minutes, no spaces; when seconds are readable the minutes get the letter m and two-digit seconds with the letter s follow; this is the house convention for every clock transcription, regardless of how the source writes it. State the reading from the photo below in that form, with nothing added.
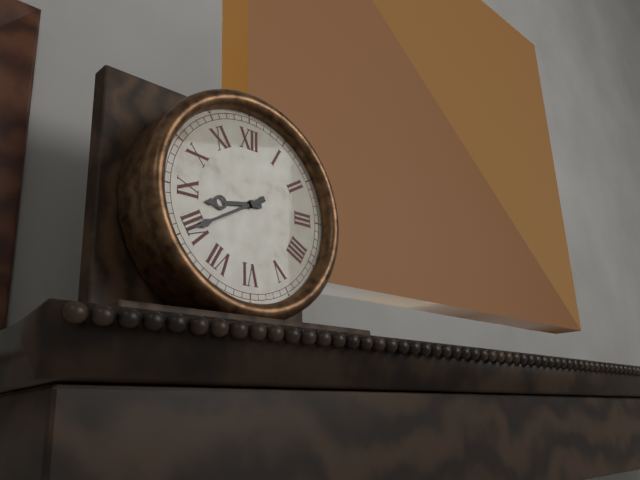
8h40
